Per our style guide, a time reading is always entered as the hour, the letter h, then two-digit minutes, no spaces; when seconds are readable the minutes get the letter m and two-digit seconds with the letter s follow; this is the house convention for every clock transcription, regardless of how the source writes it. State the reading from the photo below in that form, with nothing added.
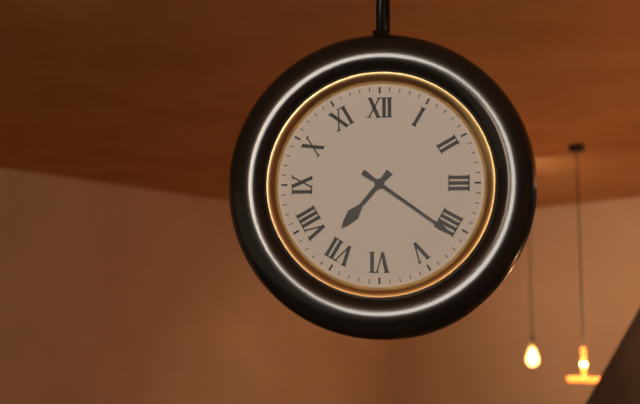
7h21
